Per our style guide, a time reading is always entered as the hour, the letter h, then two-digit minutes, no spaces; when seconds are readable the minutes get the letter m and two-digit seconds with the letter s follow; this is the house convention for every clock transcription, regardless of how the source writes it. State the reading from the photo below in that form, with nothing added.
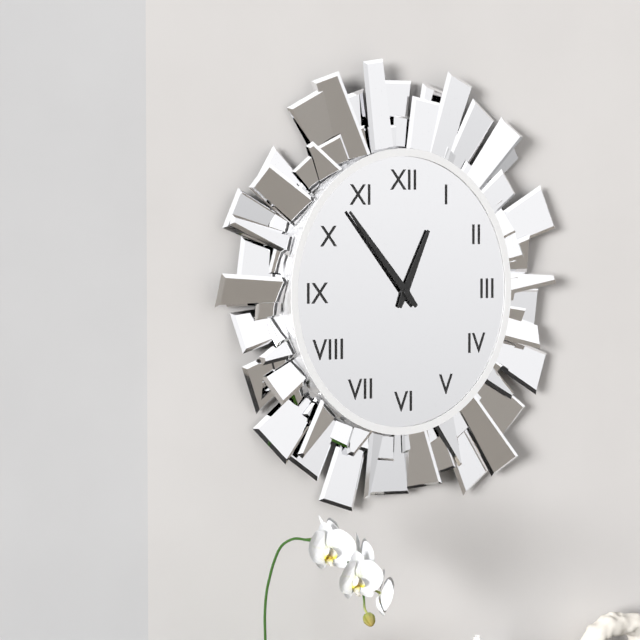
12h53
